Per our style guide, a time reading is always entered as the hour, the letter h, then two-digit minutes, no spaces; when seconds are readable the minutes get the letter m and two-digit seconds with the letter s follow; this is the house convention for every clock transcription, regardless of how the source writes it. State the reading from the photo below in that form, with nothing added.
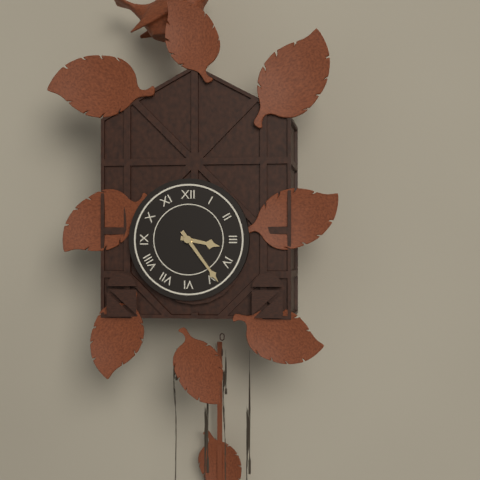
3h24
